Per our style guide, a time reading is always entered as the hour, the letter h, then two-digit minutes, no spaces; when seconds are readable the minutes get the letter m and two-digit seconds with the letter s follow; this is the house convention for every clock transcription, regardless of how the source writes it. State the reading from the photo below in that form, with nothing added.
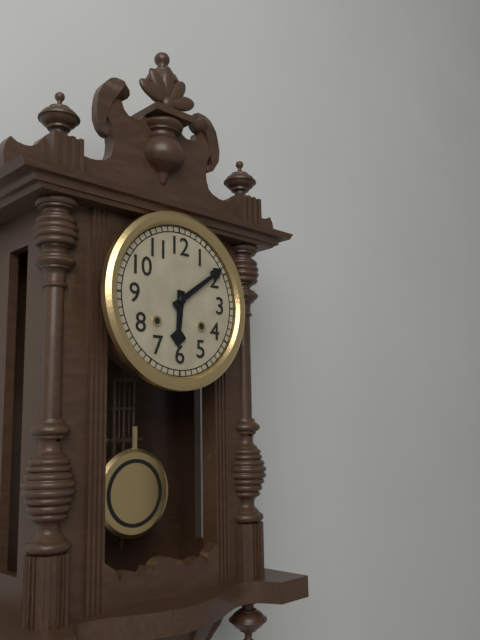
6h09
